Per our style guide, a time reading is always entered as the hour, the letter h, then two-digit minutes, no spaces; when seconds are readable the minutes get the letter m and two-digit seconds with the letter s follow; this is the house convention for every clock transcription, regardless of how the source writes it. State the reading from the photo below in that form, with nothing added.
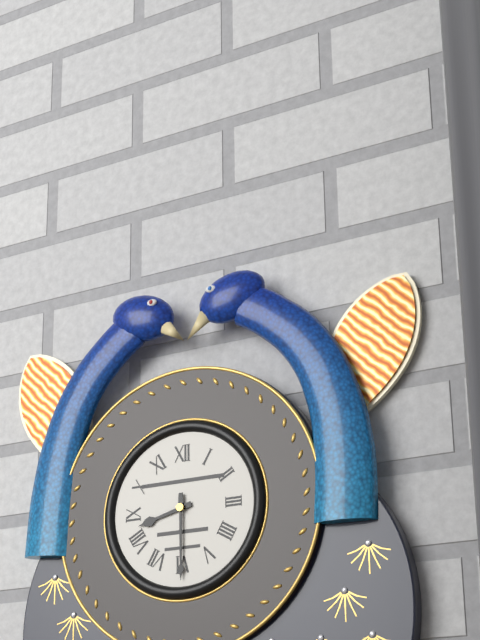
8h30
